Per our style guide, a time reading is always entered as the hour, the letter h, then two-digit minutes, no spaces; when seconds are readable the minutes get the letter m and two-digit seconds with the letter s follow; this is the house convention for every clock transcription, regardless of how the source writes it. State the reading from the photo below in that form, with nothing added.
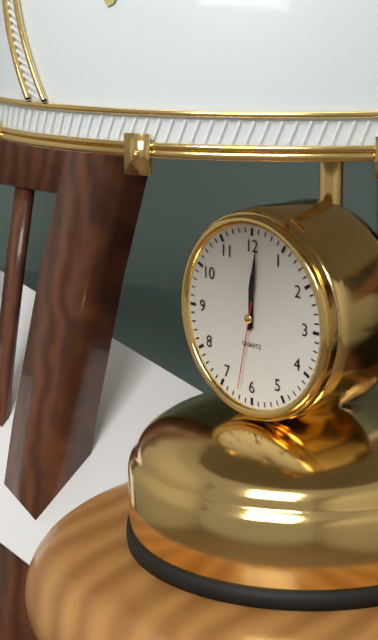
12h01m32s
